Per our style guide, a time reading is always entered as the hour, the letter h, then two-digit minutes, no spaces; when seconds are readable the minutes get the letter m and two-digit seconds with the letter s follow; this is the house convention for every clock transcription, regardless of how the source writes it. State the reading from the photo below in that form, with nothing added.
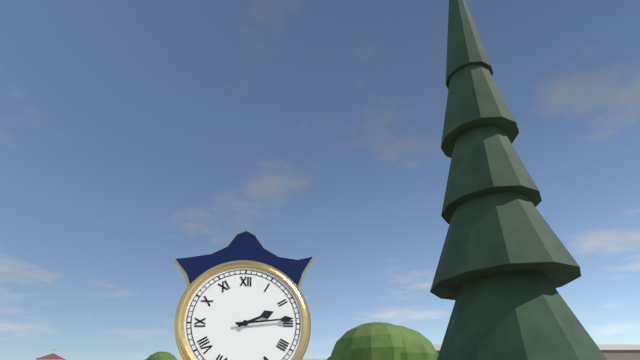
2h14
